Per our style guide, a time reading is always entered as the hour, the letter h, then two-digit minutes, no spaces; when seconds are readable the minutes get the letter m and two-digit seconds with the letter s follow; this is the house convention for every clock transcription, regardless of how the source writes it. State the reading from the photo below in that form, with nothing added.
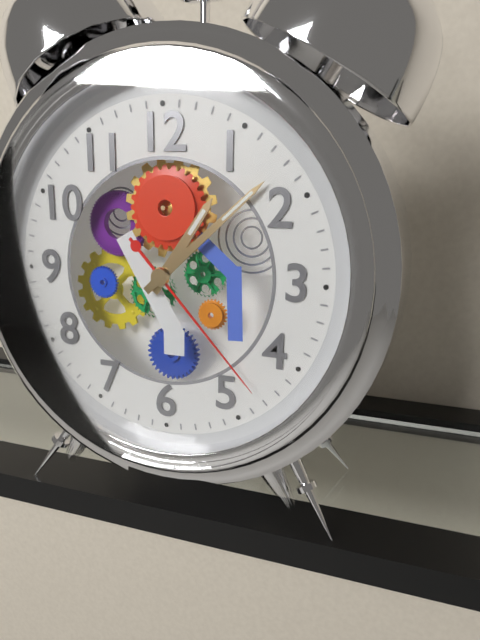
1h08m23s
